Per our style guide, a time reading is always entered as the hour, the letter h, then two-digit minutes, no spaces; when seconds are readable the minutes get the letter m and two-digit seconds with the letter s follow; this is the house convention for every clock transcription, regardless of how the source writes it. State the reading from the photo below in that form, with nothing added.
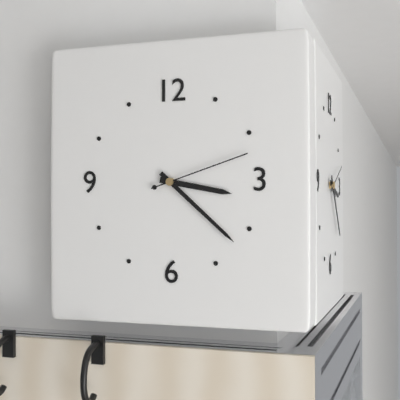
3h22m12s
